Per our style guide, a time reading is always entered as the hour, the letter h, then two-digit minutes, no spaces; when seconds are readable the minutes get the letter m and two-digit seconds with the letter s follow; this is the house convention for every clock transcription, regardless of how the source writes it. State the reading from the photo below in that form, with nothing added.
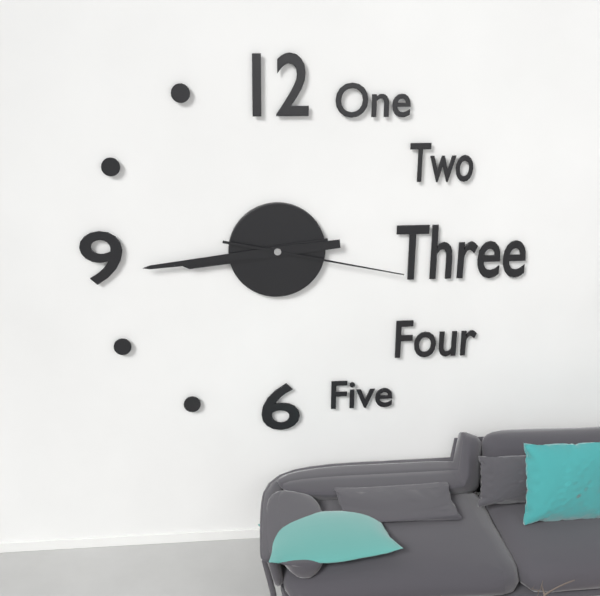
8h44m17s
